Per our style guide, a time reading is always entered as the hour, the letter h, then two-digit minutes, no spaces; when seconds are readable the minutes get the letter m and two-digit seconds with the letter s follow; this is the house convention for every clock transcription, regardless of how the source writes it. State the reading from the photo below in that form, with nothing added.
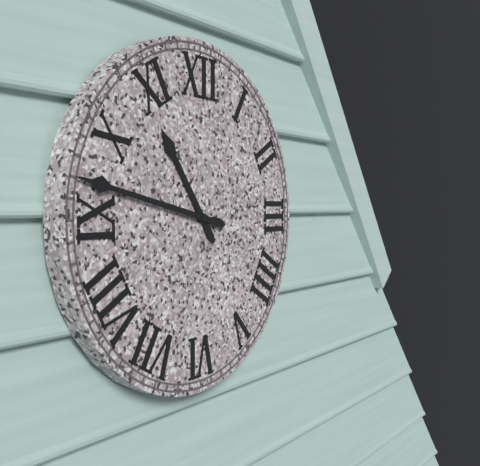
10h47
